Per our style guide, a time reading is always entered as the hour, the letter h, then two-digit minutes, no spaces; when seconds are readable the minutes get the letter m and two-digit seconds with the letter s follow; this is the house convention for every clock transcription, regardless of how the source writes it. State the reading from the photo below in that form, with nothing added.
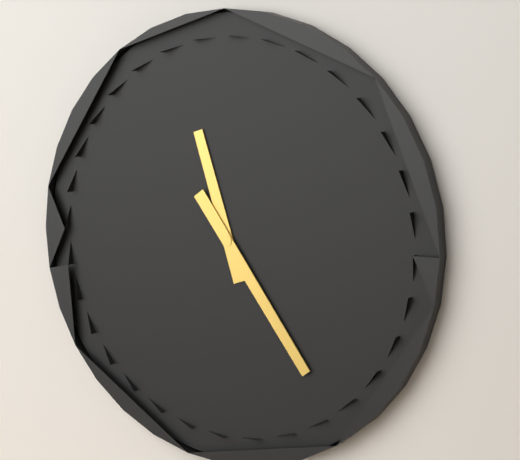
11h24
